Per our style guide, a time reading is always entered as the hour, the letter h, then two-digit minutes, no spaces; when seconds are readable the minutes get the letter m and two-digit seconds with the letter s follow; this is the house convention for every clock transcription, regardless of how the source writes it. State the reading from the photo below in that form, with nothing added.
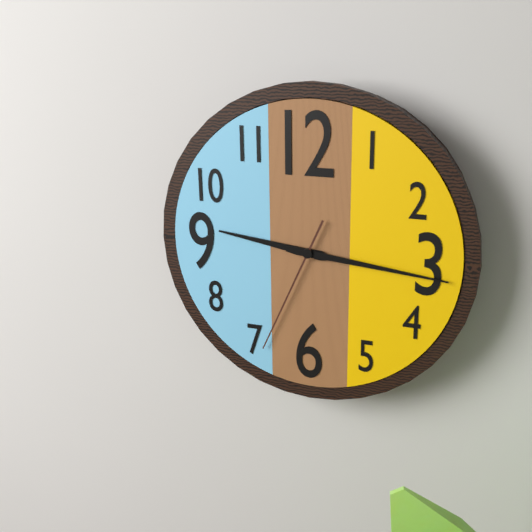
9h16m34s
